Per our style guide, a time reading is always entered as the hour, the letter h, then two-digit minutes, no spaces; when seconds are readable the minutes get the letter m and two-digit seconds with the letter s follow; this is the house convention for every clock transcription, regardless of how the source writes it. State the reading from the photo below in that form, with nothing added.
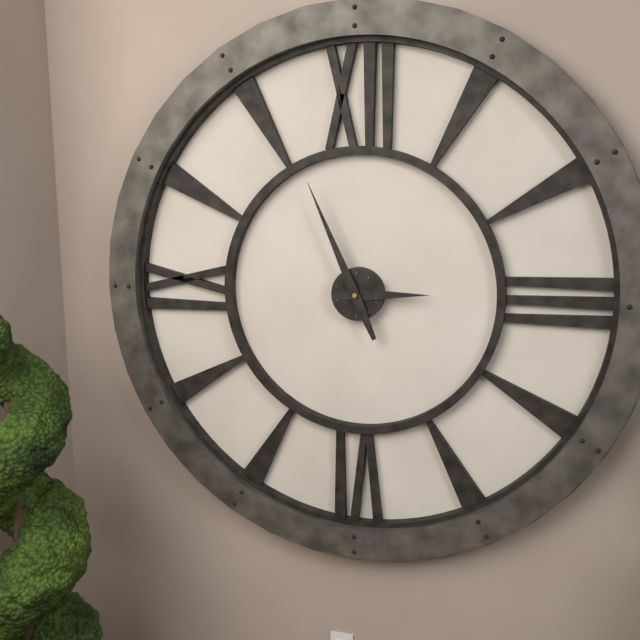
2h56
